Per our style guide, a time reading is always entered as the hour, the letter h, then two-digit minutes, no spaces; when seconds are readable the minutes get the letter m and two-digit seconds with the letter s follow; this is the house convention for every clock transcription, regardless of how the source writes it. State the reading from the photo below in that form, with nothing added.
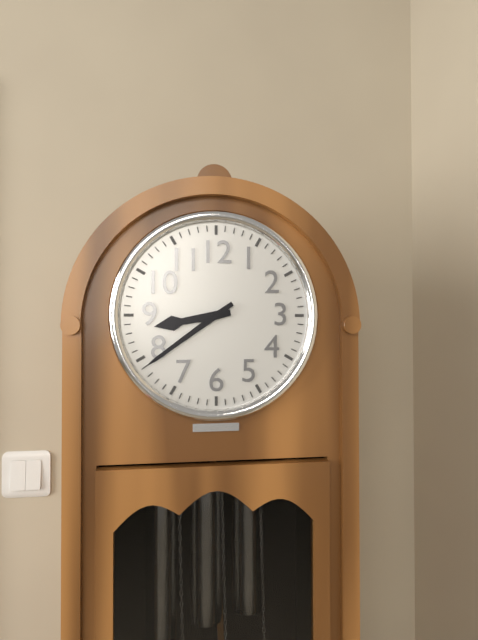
8h39
